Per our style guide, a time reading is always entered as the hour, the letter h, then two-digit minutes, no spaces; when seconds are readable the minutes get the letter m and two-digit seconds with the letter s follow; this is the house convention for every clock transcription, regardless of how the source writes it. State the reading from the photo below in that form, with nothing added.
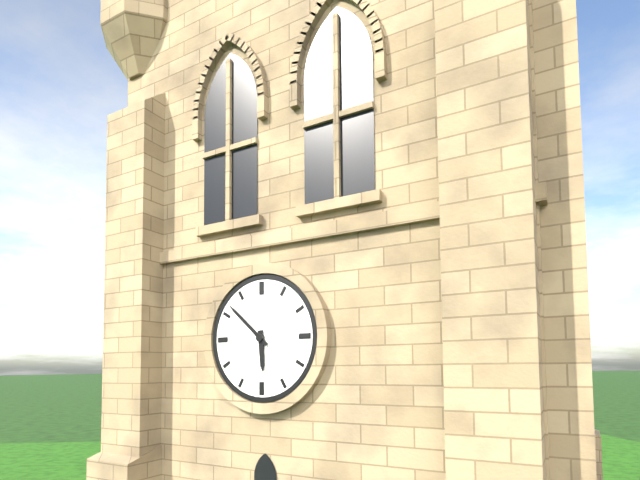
5h52
